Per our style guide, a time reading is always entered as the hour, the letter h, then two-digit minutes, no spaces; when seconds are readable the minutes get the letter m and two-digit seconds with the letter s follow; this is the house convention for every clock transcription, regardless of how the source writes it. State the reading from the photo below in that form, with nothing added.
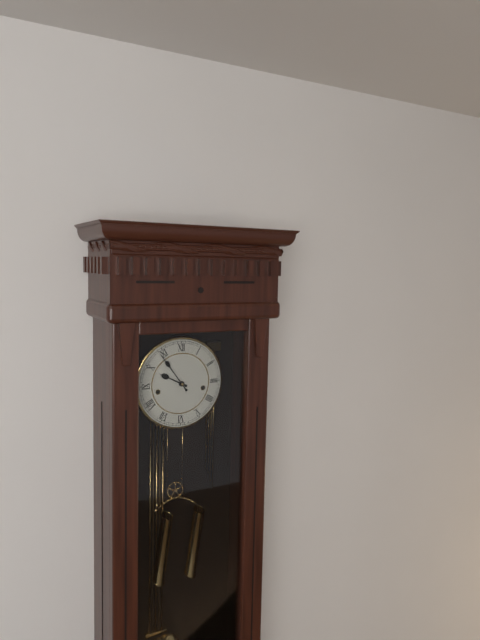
9h54
